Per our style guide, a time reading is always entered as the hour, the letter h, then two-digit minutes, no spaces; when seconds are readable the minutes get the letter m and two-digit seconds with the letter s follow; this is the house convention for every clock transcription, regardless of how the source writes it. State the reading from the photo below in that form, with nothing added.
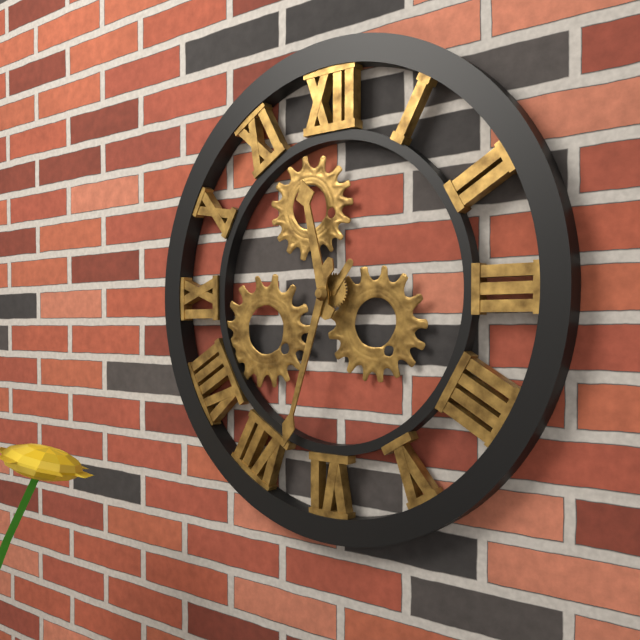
11h33
